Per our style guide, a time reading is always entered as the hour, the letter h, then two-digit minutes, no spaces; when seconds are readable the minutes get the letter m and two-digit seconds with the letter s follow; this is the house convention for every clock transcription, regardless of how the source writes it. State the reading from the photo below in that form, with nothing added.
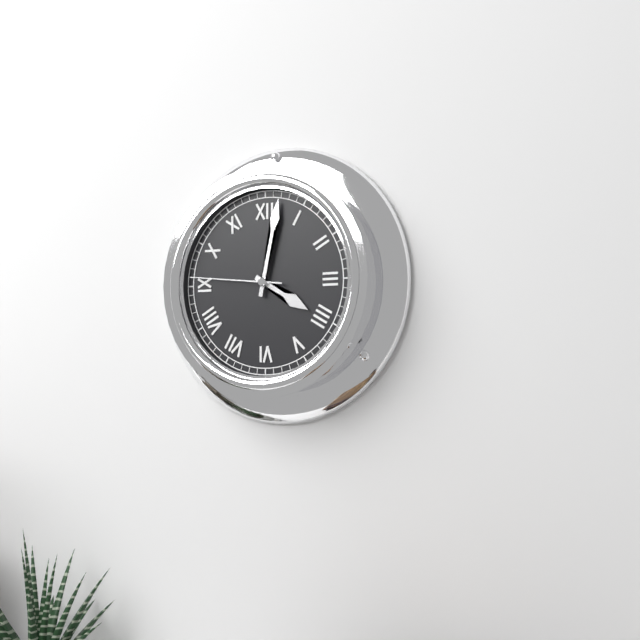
4h02m46s
